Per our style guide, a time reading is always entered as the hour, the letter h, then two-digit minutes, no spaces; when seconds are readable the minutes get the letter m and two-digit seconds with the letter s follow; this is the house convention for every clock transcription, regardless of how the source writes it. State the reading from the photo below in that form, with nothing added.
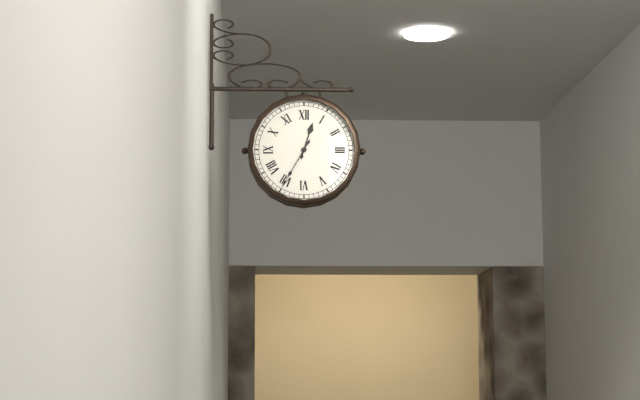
12h35
